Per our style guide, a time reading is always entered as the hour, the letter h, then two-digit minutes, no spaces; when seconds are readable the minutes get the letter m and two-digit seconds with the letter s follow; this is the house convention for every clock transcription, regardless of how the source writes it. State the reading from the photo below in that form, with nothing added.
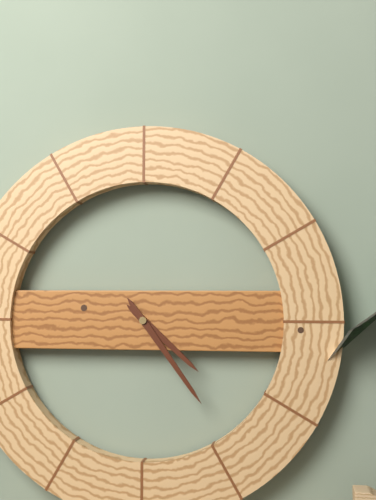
4h24
